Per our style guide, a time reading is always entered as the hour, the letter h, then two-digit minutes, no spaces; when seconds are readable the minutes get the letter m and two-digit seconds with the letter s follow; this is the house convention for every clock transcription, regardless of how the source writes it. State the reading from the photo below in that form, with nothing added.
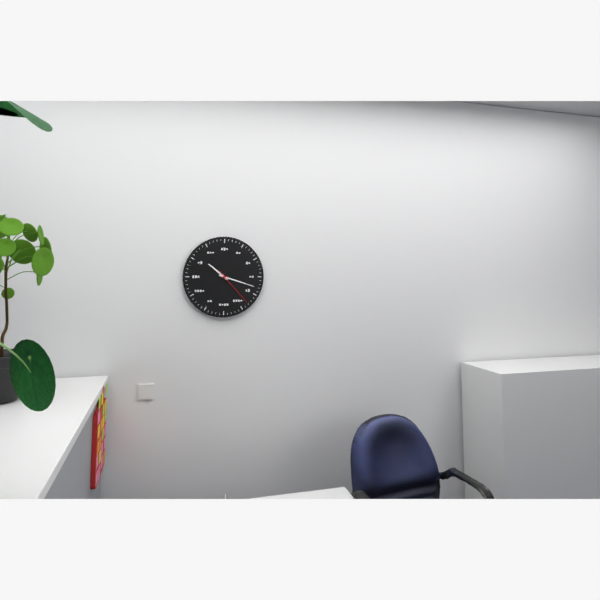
10h18
